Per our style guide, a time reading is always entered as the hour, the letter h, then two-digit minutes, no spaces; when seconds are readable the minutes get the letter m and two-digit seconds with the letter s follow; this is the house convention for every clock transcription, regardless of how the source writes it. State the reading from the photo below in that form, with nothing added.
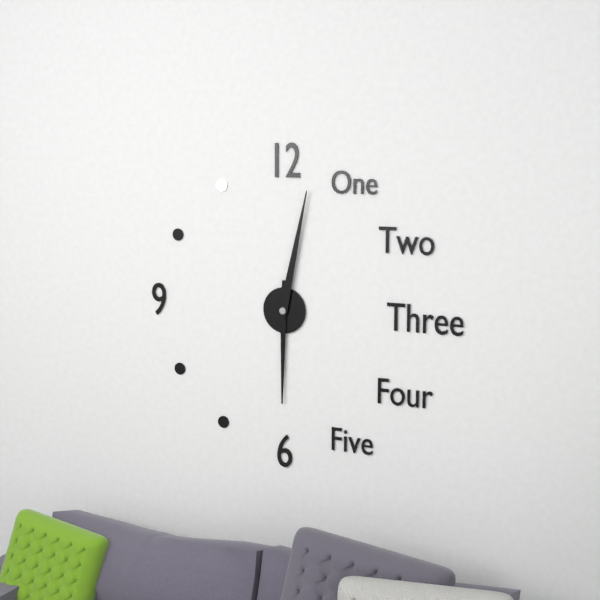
6h02
